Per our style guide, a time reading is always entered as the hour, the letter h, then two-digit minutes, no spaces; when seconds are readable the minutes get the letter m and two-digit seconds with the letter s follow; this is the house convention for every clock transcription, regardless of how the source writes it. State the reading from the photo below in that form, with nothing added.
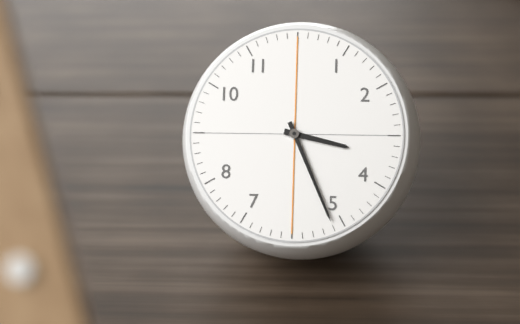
3h26
